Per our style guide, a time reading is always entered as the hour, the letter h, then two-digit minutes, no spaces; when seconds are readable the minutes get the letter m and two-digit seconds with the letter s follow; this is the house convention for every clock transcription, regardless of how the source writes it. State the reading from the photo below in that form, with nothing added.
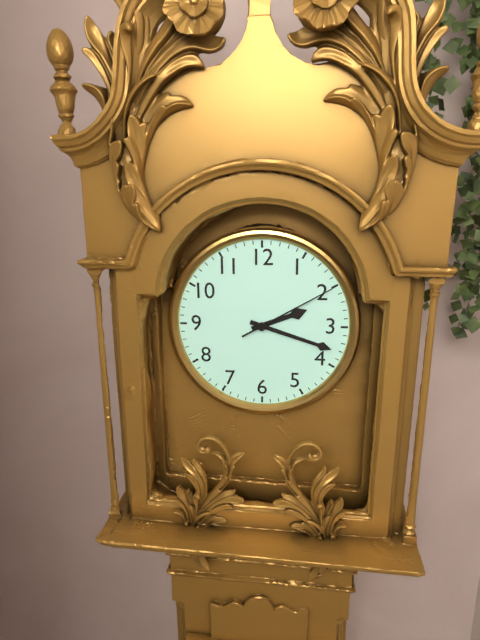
2h18m10s
